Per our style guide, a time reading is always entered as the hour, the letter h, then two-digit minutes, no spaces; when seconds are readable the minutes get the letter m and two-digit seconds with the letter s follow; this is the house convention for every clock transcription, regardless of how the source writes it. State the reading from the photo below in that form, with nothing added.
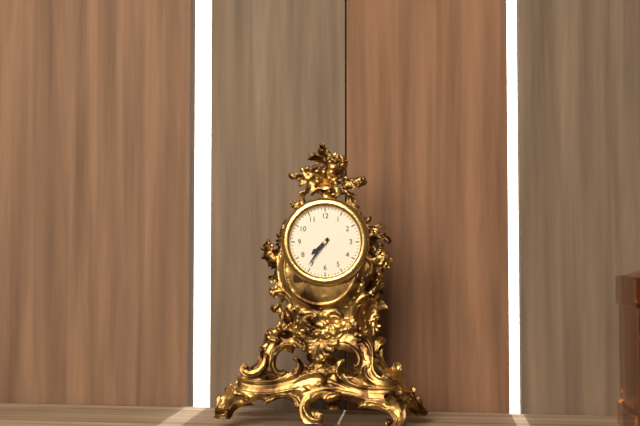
7h36
